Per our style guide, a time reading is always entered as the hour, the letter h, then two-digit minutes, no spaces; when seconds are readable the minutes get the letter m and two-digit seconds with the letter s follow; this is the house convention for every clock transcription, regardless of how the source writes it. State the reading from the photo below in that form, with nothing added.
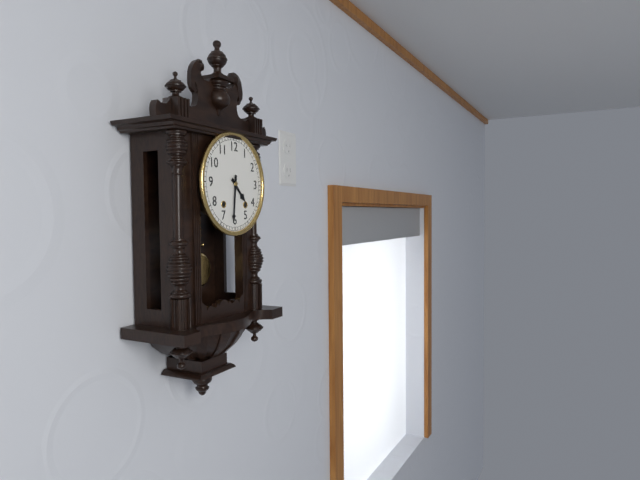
4h31
